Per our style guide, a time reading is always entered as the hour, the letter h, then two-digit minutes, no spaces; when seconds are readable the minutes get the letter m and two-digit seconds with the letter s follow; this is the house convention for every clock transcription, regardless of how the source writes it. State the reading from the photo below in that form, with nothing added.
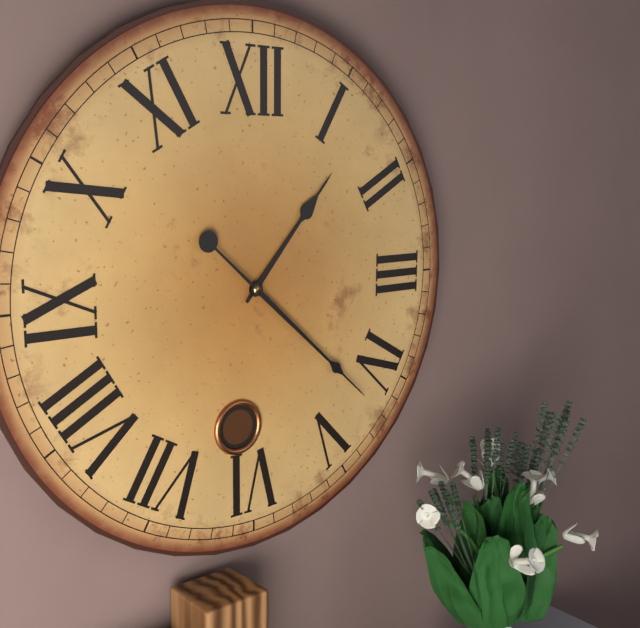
1h22
